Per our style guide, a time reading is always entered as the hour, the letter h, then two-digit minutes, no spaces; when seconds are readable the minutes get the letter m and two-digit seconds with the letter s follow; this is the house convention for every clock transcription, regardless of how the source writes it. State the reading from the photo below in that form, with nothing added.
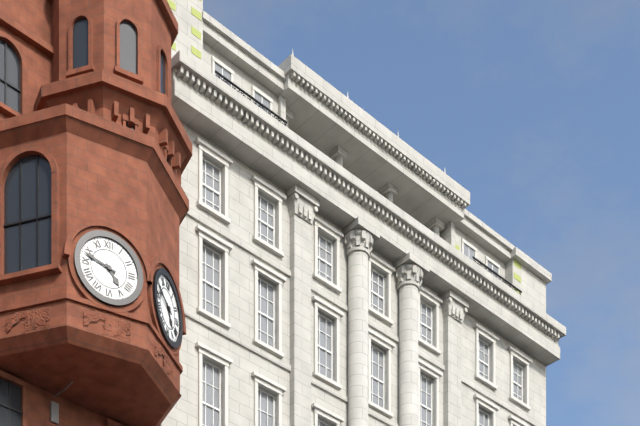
4h48
